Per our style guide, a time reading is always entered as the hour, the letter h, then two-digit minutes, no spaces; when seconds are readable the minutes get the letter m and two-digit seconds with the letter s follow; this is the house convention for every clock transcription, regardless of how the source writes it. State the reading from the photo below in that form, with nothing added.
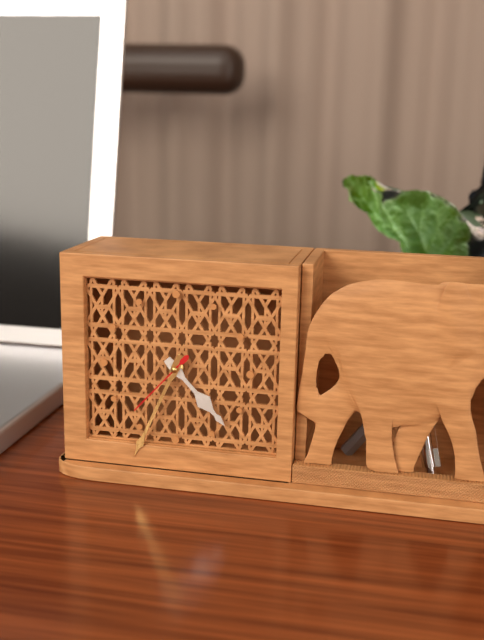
4h34m37s
